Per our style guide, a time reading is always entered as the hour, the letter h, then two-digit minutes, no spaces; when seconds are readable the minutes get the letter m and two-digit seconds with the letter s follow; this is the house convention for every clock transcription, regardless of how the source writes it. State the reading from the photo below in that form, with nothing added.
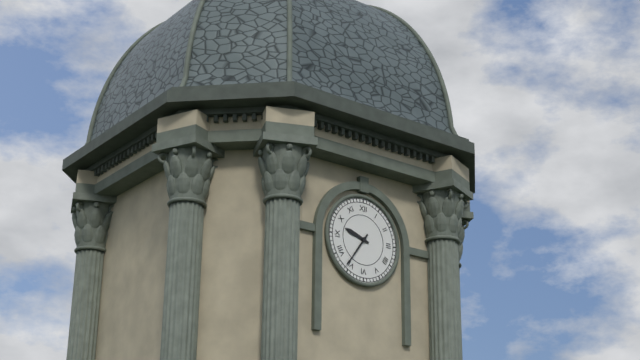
9h36
